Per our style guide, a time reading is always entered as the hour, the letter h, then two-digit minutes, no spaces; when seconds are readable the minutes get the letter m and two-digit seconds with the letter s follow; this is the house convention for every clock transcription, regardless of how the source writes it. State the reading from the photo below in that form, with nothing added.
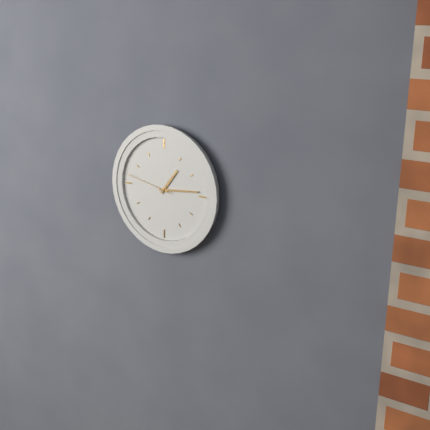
1h14
